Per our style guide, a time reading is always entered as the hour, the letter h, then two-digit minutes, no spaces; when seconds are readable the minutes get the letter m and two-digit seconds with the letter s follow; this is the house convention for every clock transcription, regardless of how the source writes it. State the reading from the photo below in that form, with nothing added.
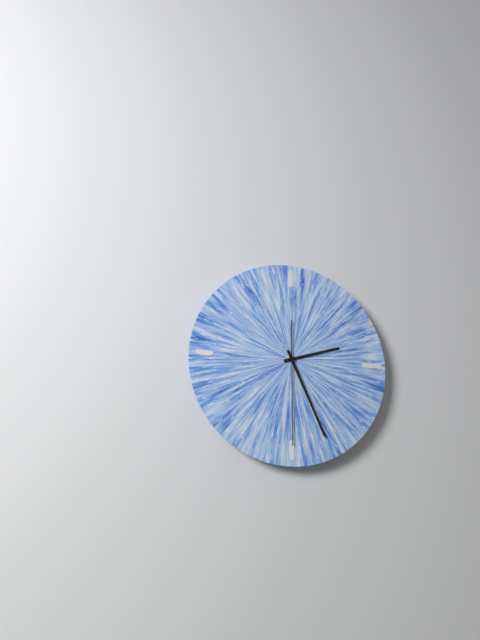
2h26m30s
